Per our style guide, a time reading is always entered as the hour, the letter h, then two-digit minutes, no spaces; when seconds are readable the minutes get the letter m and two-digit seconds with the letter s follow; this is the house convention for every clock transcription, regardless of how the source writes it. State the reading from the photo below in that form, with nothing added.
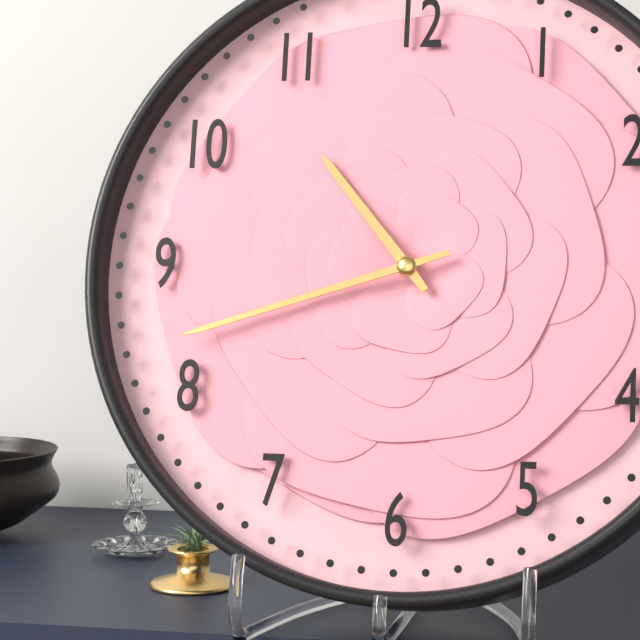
10h42
